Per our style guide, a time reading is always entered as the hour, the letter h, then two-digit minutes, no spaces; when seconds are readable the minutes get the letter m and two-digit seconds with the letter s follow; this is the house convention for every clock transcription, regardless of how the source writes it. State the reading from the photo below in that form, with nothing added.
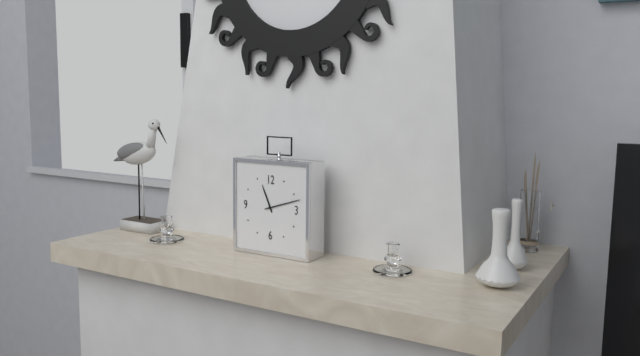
11h12
